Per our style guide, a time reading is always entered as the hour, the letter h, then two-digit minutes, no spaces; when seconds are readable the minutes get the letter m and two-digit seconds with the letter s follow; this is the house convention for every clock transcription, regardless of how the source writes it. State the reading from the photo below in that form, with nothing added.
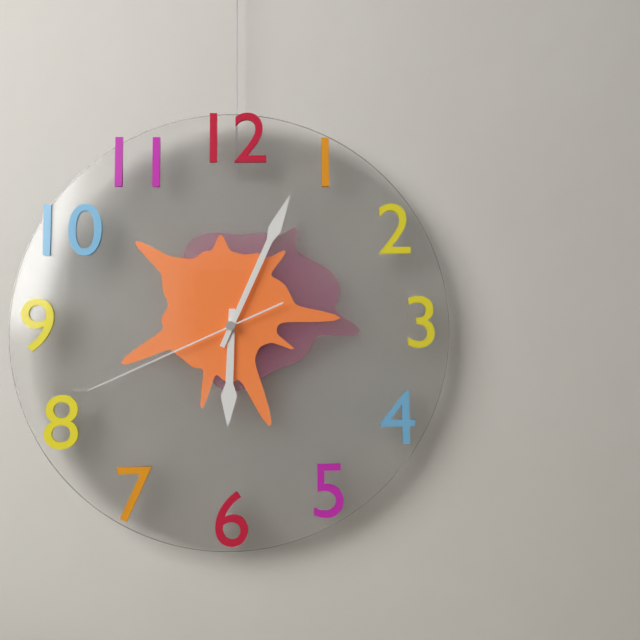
6h04m41s
